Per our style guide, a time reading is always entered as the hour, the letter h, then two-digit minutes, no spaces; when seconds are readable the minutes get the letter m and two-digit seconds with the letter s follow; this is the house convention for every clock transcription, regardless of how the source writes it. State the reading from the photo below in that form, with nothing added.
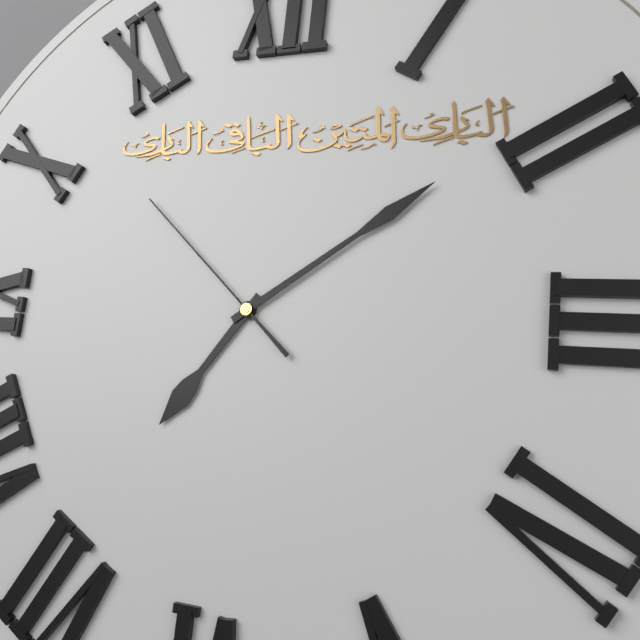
7h09m52s
